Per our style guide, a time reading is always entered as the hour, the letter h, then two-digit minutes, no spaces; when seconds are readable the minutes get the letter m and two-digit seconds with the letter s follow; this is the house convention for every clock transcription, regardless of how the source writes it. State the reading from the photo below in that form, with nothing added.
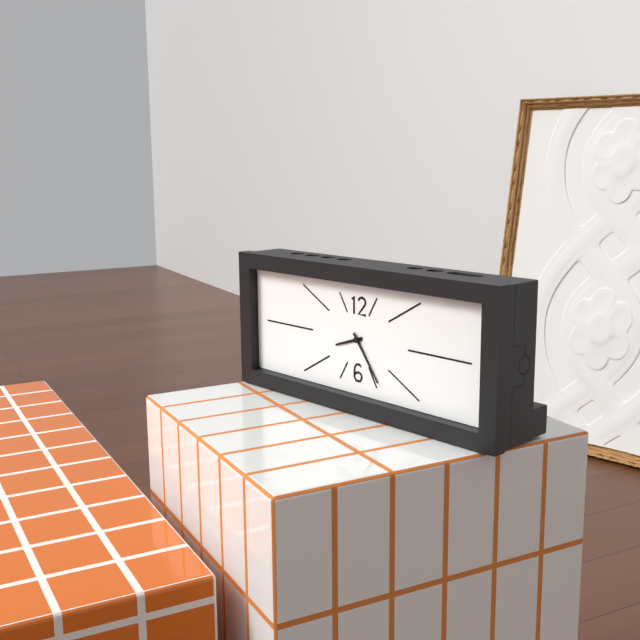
8h24
